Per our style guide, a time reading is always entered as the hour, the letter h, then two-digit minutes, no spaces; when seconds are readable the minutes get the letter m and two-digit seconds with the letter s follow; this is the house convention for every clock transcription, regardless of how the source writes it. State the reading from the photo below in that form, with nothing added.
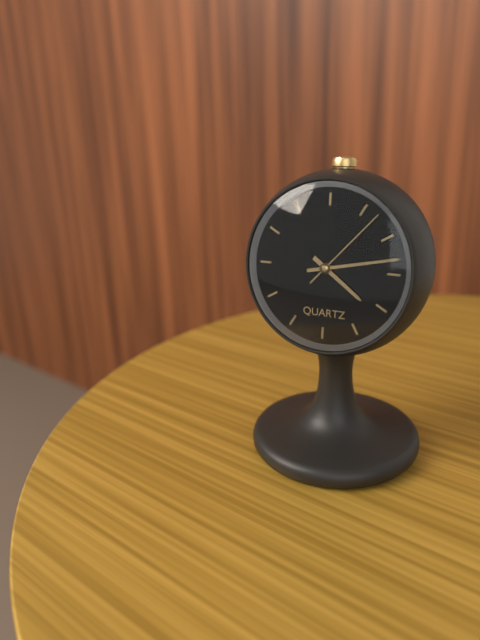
4h13m07s
